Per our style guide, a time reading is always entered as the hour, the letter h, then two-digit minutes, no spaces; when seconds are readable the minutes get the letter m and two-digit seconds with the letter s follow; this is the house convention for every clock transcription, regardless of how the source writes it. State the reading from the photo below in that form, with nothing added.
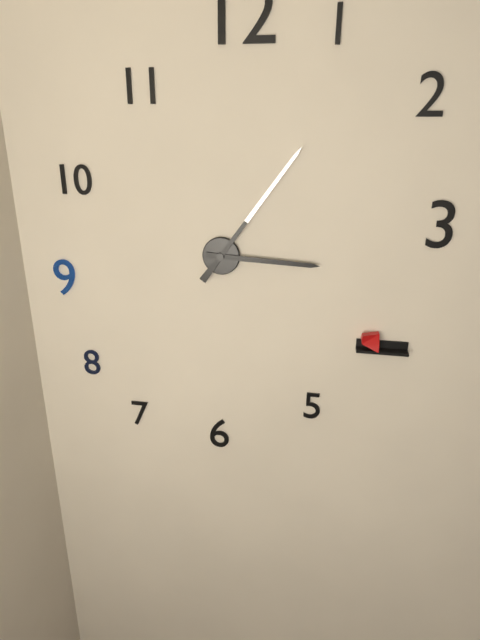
3h06
